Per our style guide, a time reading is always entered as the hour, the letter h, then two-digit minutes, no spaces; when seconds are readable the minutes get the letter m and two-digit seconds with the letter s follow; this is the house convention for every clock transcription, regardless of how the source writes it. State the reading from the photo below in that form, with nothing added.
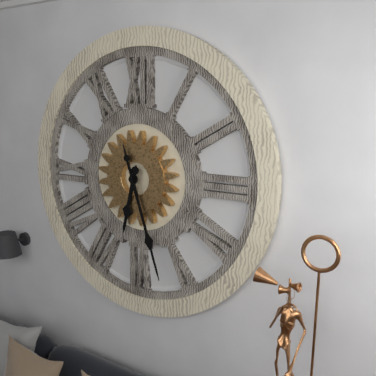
6h27
